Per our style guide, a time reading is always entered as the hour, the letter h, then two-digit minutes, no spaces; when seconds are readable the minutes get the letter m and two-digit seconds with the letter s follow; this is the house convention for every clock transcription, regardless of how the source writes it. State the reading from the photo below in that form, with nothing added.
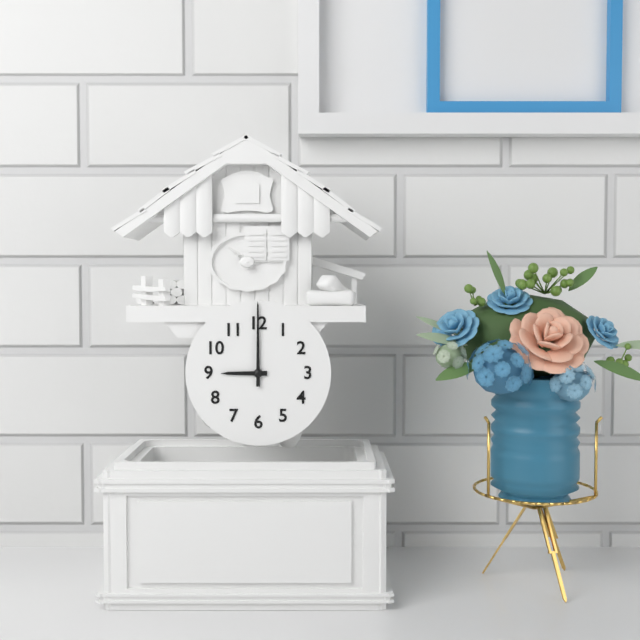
9h00
